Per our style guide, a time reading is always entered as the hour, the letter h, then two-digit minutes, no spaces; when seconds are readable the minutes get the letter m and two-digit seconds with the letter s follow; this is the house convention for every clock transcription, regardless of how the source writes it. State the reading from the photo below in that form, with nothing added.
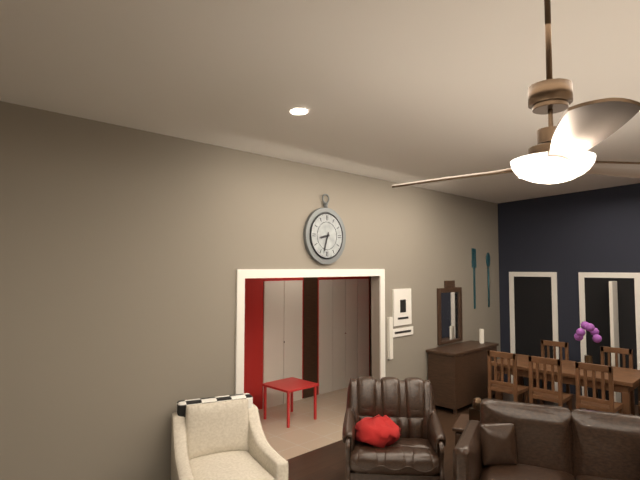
8h33
